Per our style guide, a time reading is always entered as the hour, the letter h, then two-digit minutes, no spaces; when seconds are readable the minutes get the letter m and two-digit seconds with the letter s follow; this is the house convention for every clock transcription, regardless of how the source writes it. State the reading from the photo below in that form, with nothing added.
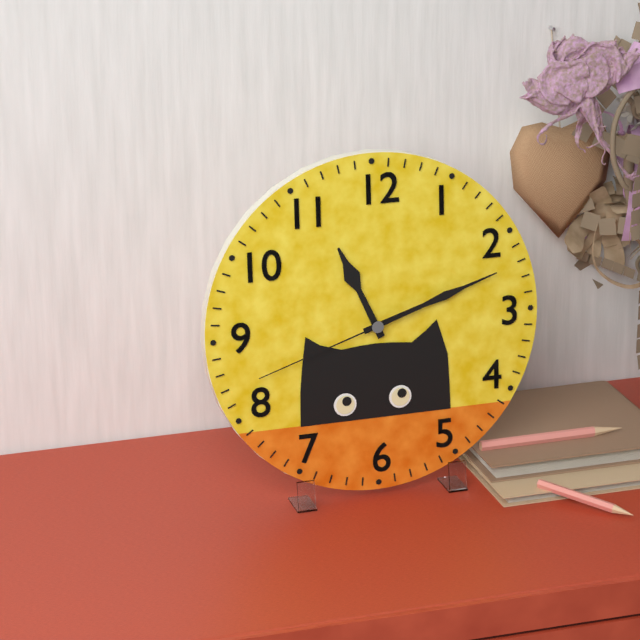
11h12m42s
